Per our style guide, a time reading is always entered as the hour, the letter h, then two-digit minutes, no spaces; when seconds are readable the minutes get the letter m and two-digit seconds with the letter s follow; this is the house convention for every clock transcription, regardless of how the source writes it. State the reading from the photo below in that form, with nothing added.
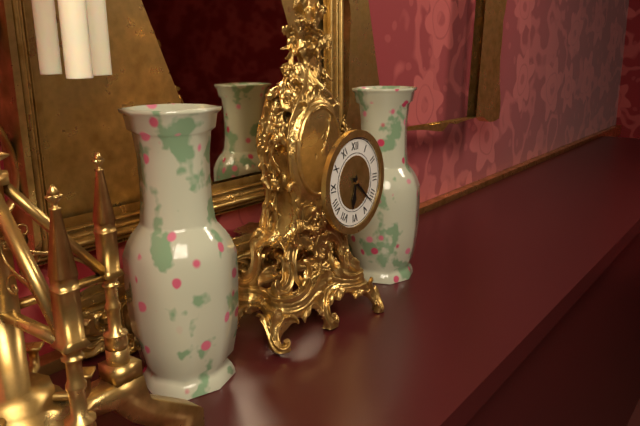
6h22
